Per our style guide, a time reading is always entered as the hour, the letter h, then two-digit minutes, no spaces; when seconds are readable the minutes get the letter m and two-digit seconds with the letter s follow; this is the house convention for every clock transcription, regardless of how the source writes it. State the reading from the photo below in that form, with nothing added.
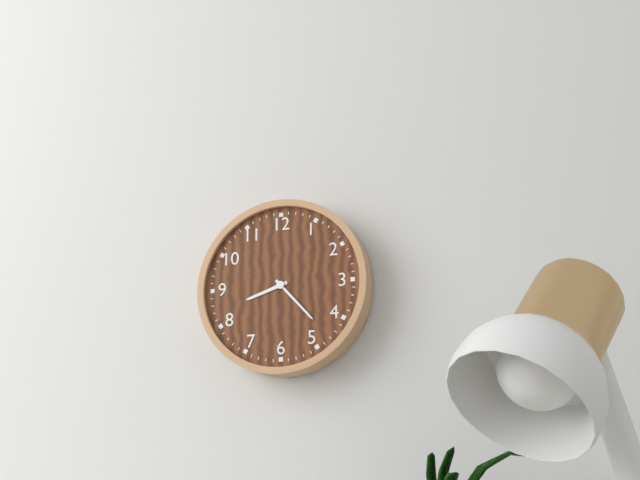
8h23
